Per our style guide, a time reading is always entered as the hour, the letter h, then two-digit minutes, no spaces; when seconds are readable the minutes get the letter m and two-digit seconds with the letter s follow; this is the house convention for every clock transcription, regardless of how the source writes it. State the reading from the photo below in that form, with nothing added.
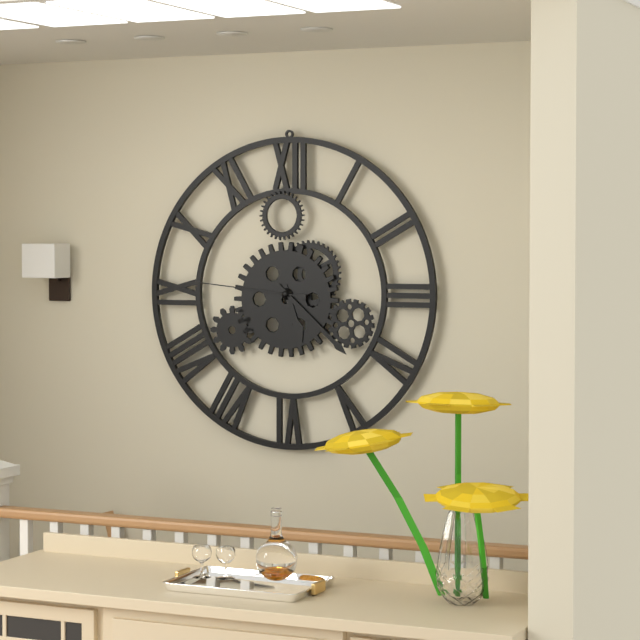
5h22m46s
